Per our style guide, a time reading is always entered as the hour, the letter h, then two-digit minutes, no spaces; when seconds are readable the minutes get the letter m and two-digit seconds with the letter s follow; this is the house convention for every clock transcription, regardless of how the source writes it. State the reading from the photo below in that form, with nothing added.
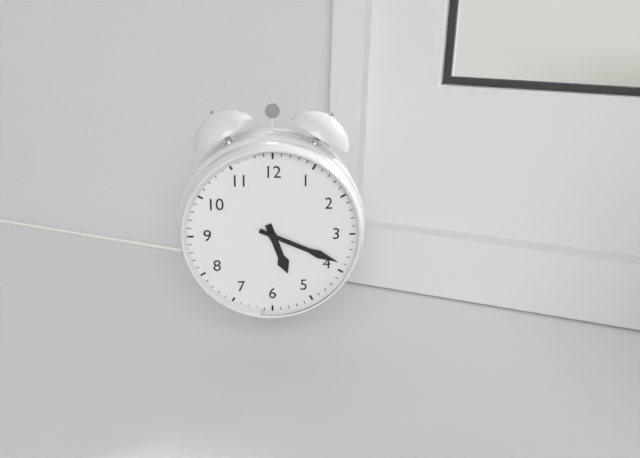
5h19
